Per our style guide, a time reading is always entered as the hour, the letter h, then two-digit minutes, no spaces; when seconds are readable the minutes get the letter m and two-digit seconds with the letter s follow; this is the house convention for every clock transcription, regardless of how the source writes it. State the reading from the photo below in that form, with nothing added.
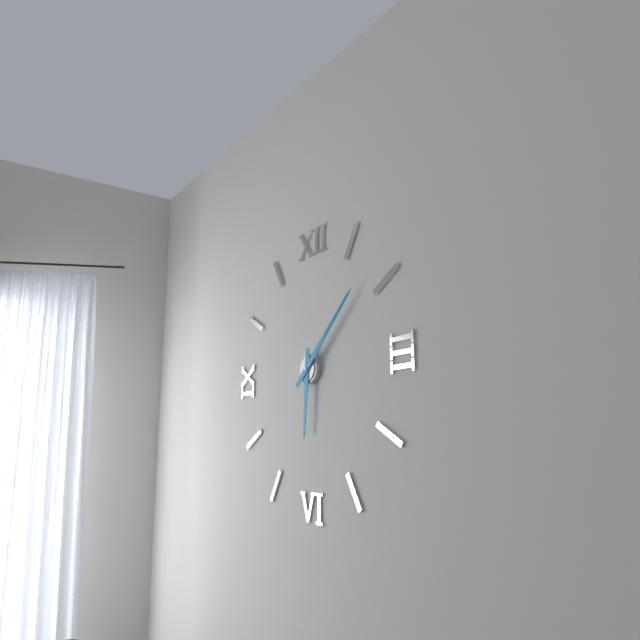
6h08
